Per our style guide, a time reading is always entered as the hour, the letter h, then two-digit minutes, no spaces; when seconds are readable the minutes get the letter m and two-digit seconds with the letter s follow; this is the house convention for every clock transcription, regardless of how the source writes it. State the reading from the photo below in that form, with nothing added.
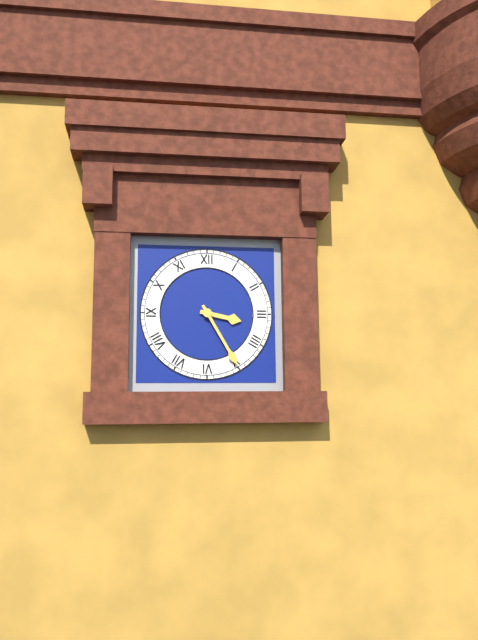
3h25
